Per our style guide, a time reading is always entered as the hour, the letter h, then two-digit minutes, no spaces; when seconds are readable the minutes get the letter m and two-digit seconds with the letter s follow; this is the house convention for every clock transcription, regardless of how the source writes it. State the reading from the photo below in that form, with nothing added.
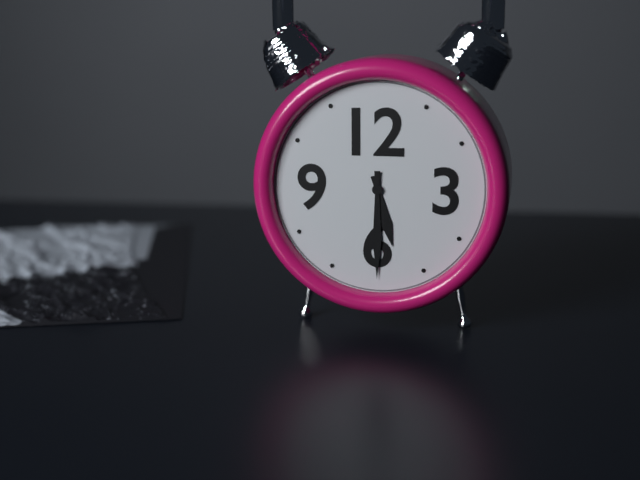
5h30
